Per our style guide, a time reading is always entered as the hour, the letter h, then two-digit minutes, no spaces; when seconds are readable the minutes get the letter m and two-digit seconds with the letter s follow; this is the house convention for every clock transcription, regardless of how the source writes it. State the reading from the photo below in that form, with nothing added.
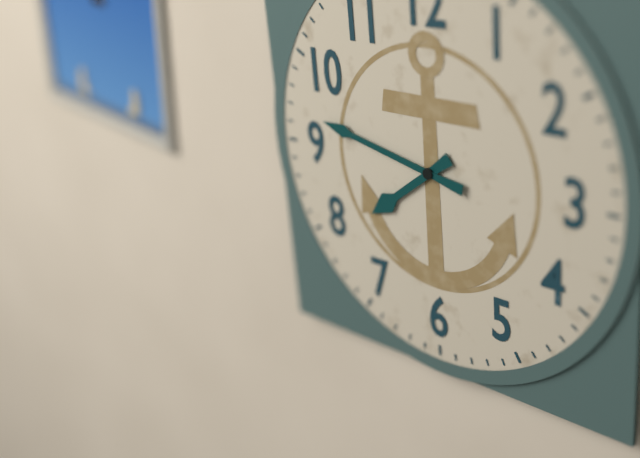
7h47
